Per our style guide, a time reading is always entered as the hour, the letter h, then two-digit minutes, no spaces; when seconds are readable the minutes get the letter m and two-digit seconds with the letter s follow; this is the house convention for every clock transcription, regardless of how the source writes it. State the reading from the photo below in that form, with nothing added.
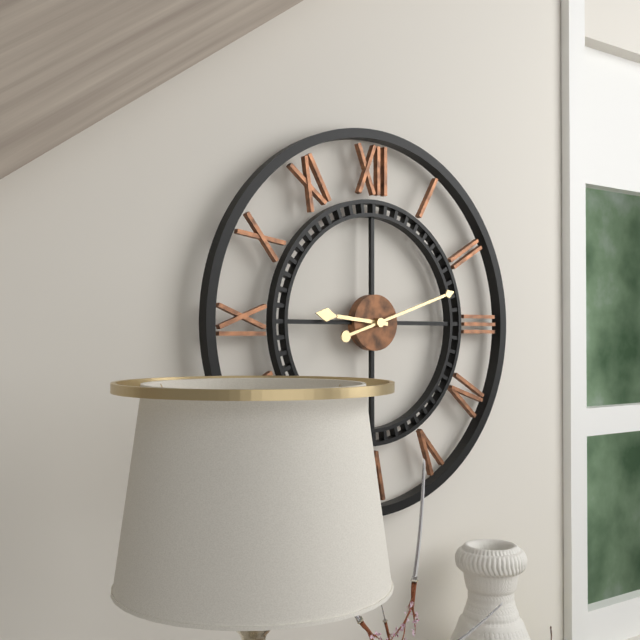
9h12
